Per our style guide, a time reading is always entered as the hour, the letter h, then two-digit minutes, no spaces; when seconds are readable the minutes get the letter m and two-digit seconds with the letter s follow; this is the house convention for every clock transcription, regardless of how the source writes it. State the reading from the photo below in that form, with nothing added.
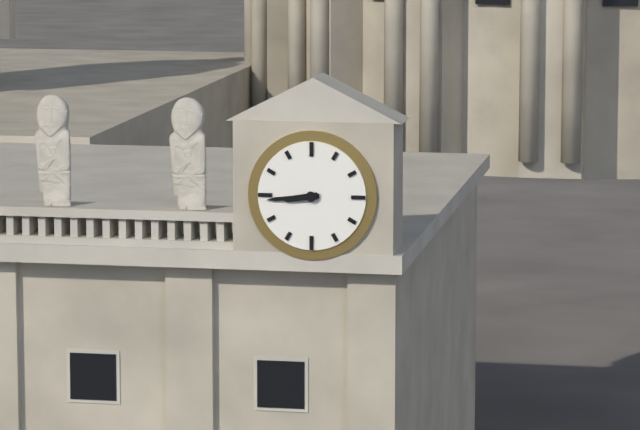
8h44
